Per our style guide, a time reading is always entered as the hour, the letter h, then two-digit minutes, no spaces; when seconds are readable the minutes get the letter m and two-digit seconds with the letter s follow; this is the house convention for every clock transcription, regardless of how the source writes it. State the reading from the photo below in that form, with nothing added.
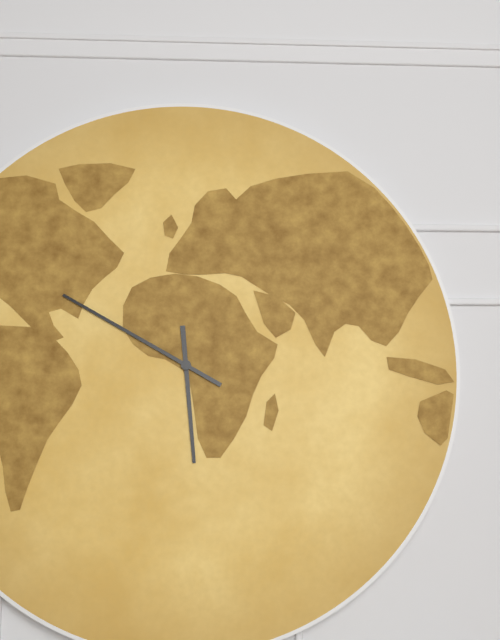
5h50
